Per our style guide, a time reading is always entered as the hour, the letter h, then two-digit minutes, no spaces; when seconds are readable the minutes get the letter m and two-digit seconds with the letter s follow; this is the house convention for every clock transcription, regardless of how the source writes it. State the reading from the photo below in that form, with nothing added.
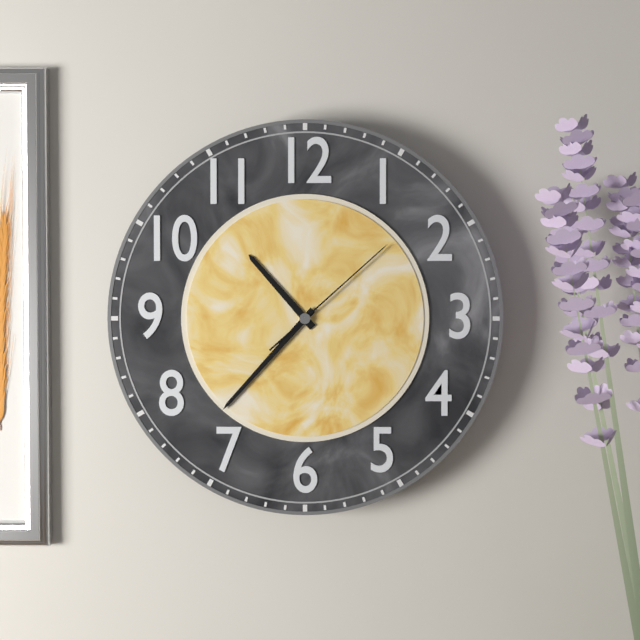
10h37m08s
